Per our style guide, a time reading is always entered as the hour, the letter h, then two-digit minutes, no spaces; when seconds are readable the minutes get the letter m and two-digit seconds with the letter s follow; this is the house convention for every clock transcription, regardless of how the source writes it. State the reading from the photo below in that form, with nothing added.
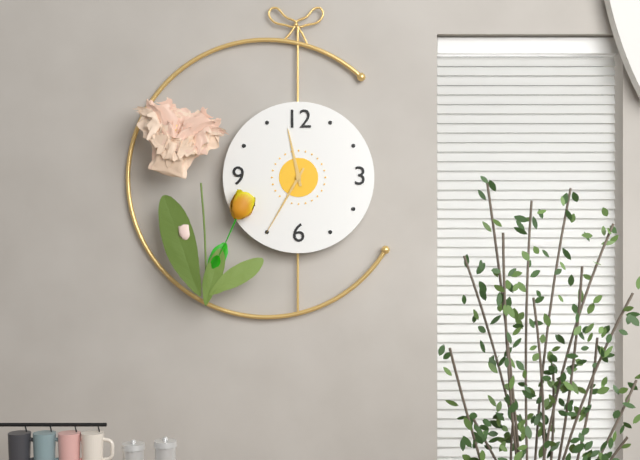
11h35
